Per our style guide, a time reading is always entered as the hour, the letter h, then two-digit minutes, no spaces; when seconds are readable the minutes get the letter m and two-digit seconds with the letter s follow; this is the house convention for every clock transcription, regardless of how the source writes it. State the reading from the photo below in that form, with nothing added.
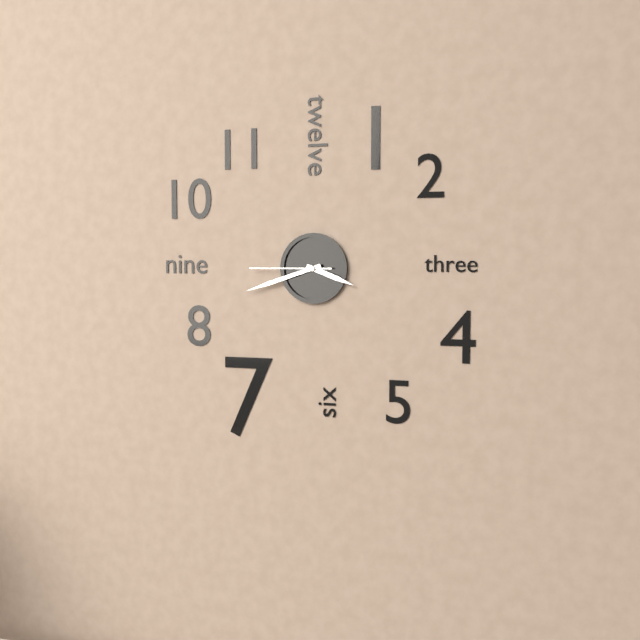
3h42m45s
